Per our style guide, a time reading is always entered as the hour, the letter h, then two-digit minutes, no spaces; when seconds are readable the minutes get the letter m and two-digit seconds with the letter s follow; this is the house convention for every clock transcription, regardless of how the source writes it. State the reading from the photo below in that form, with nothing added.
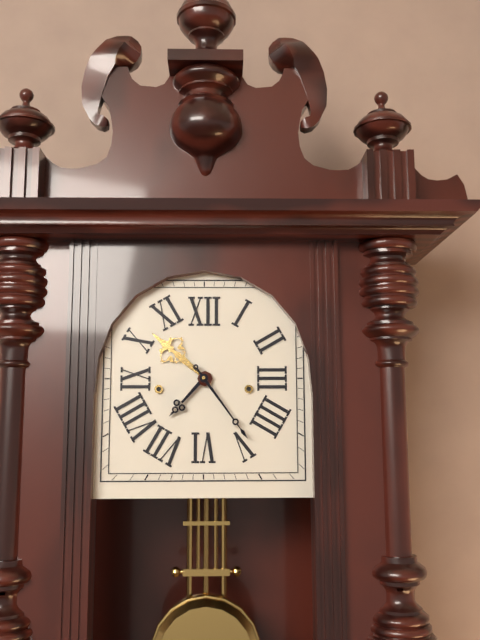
7h24
